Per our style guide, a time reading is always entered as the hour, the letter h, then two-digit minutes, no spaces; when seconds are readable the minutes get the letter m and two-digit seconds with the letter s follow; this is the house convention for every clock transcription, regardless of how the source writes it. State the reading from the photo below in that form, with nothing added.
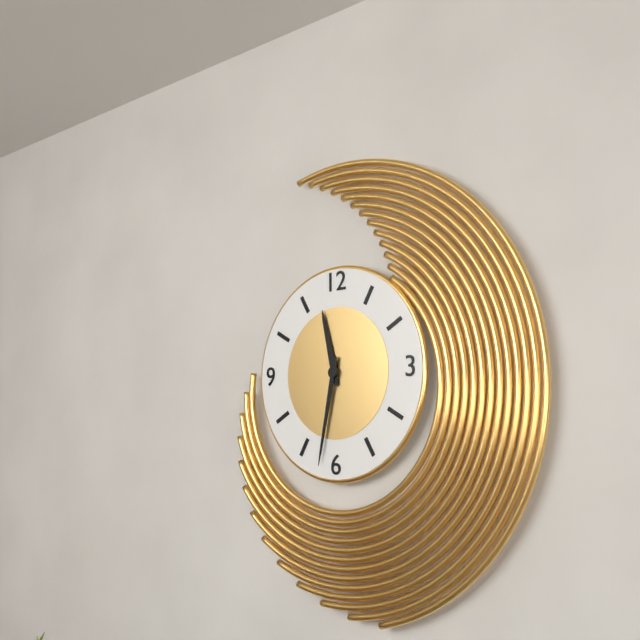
11h32
